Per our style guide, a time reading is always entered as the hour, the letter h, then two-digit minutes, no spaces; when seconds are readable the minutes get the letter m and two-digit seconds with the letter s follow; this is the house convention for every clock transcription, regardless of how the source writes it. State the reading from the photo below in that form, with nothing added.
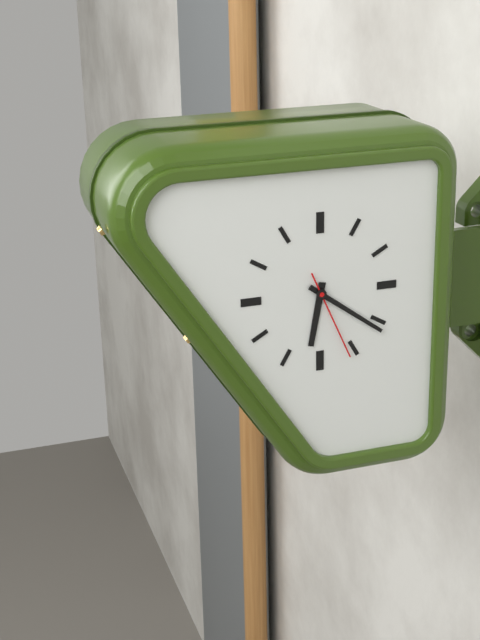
6h21m26s
